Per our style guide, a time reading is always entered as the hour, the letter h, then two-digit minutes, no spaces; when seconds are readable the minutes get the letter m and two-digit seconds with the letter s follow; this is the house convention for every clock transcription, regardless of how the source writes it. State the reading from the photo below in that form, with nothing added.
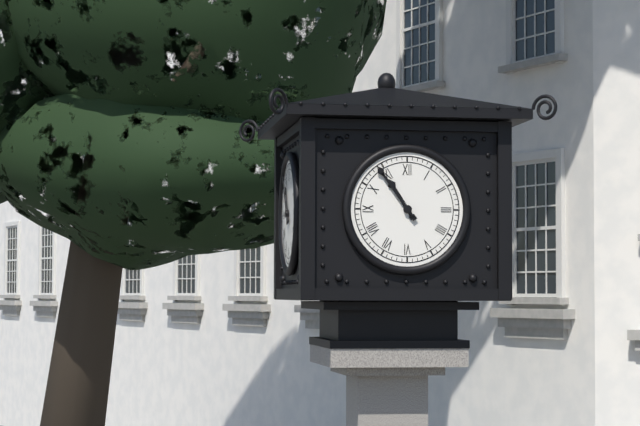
10h54
